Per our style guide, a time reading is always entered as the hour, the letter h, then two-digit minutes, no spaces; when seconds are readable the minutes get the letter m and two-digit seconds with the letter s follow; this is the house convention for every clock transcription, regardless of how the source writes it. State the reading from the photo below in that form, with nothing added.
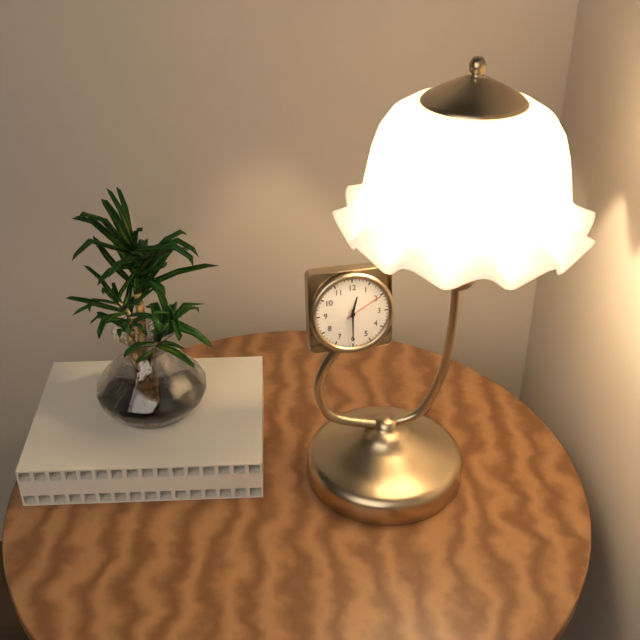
12h30
